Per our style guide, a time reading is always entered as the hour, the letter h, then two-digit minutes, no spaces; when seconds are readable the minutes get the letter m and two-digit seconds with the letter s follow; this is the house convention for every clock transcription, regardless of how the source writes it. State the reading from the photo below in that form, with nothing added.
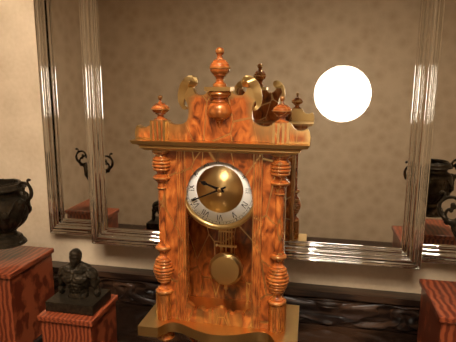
9h41
